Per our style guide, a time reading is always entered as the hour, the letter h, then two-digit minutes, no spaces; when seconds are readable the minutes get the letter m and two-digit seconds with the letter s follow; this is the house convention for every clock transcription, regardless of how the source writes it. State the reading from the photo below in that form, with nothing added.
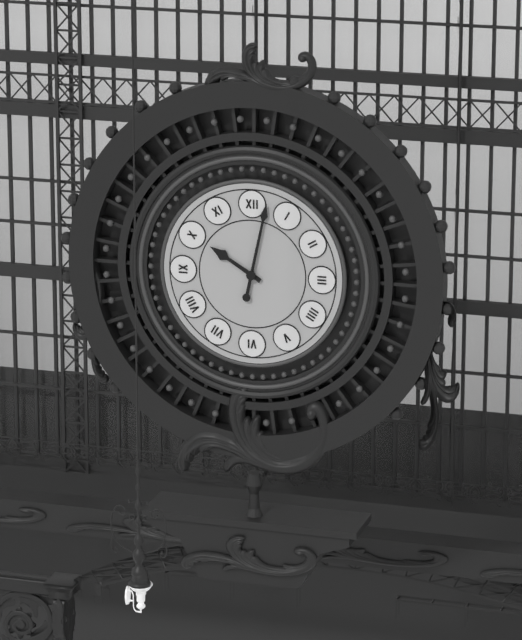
10h02
